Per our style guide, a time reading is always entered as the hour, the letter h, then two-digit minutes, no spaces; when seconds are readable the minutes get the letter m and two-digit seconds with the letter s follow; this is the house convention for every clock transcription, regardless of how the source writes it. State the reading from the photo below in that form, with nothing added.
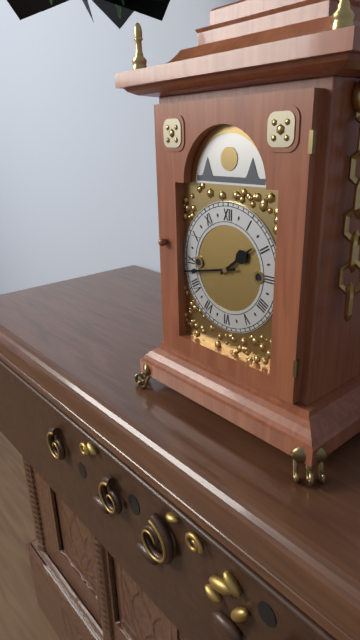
1h43
